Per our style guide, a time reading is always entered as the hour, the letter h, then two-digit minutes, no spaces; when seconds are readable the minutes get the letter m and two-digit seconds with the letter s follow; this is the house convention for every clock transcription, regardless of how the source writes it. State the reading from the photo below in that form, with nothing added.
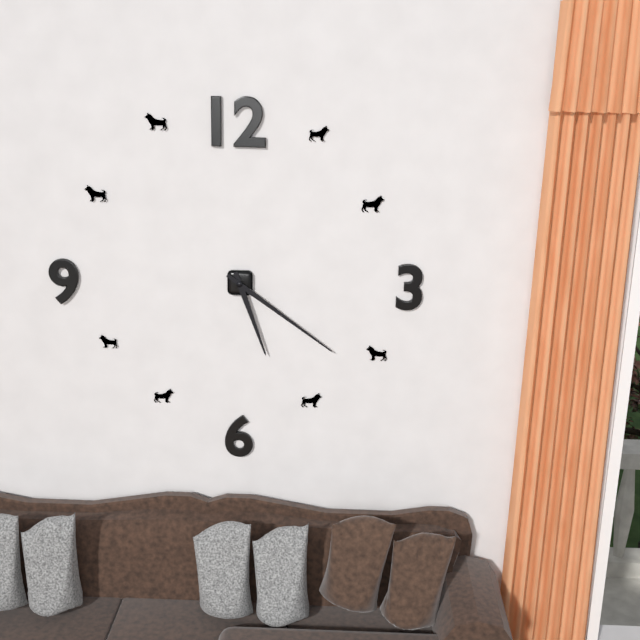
5h21
